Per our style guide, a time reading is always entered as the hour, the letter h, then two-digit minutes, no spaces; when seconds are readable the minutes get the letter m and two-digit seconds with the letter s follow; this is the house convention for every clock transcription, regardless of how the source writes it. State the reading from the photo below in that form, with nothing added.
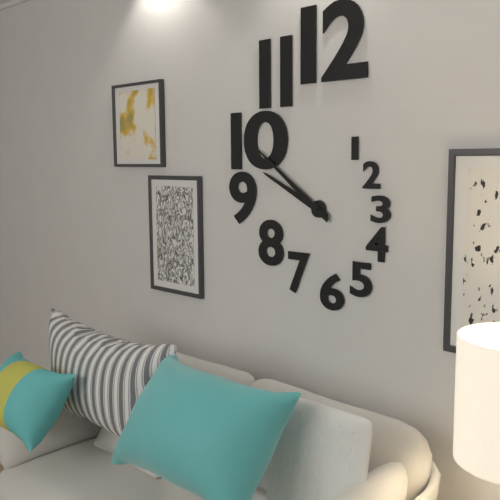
9h51
